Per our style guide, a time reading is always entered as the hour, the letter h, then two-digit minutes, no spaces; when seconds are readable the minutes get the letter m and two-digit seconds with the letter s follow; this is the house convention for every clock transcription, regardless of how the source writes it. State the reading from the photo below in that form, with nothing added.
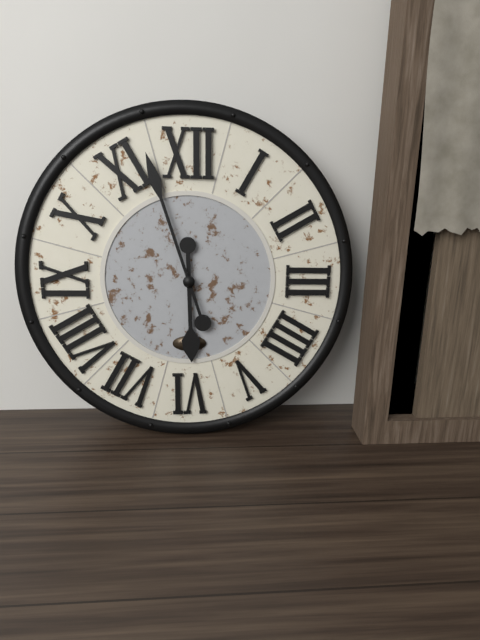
5h57
